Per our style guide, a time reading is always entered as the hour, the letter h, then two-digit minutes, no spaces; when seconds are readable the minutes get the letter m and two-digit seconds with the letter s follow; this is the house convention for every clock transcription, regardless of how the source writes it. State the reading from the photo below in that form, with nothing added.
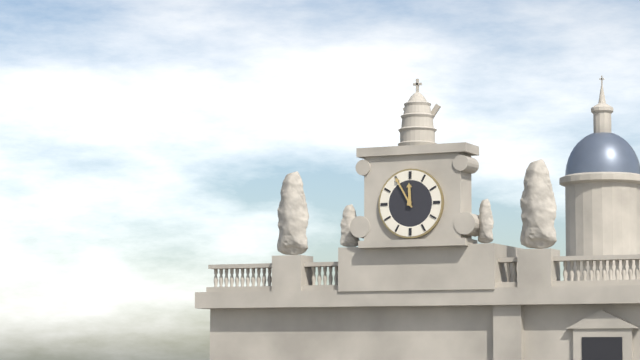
11h55
